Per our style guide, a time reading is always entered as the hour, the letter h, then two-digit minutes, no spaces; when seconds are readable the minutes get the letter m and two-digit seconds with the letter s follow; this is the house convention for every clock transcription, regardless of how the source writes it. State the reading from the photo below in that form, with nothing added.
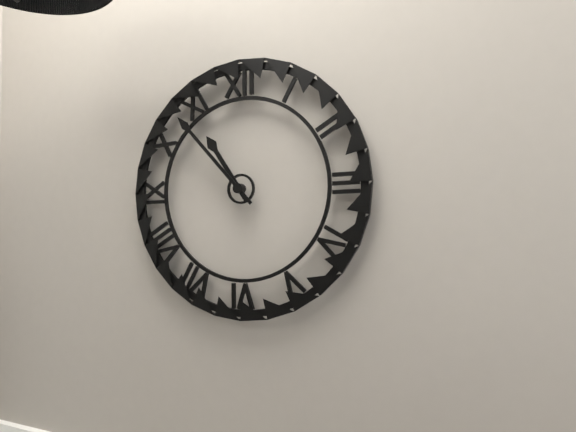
10h53
